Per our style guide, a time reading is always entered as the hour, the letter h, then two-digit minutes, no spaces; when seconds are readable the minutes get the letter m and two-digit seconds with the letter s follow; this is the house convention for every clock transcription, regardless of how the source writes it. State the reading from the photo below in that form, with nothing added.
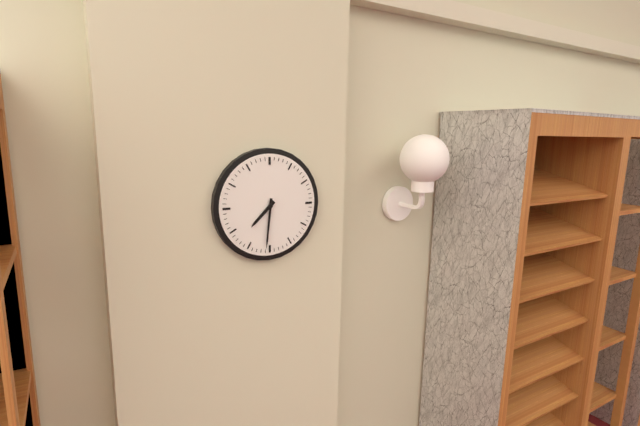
7h31
